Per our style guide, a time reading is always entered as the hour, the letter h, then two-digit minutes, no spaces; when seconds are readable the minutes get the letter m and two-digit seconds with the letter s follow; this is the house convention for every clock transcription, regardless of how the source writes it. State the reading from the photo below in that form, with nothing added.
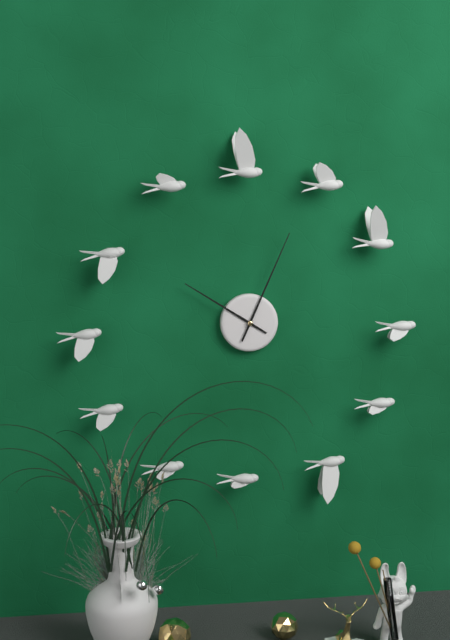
10h04
